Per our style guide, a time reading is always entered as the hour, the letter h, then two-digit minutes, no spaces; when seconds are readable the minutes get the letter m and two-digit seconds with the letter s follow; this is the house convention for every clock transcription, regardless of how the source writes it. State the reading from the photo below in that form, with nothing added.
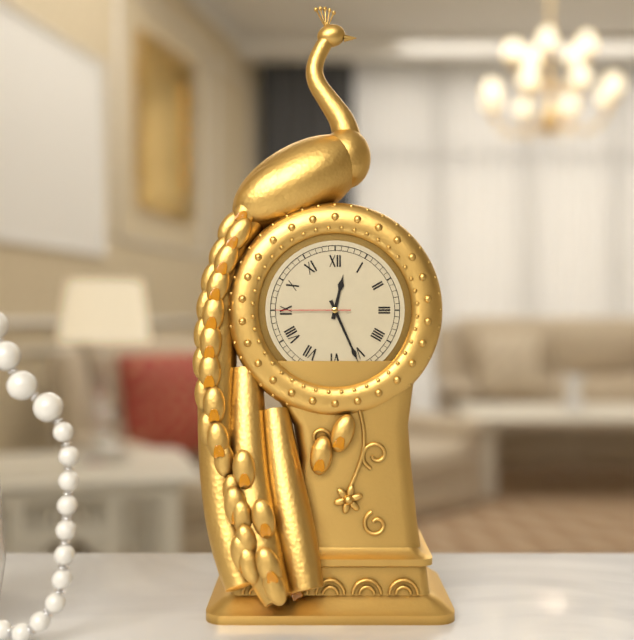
12h26m45s
